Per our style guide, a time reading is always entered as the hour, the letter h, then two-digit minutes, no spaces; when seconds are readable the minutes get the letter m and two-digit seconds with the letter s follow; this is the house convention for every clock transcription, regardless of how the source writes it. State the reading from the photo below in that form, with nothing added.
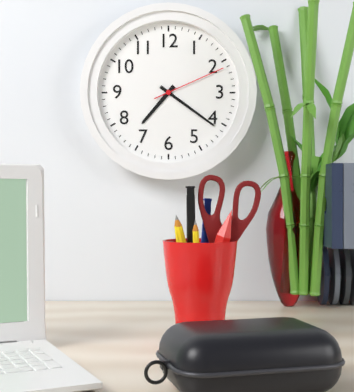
7h21m11s
